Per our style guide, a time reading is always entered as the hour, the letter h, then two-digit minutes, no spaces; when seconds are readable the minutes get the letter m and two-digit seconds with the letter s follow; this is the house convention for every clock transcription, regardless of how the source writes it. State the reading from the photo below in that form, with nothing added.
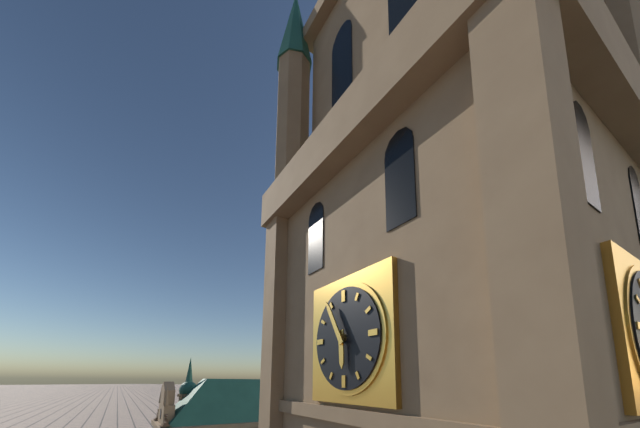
5h55
